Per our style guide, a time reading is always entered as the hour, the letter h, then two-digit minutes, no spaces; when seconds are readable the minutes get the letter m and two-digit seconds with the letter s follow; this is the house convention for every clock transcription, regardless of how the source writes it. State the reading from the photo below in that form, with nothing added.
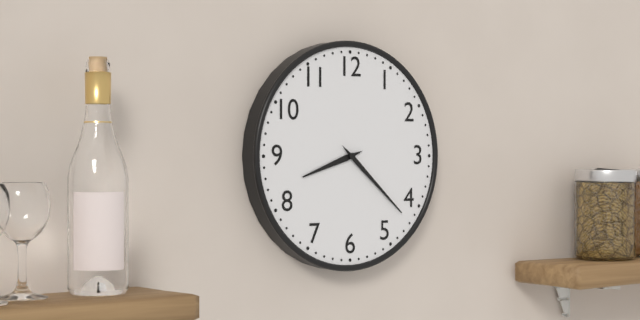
8h22
